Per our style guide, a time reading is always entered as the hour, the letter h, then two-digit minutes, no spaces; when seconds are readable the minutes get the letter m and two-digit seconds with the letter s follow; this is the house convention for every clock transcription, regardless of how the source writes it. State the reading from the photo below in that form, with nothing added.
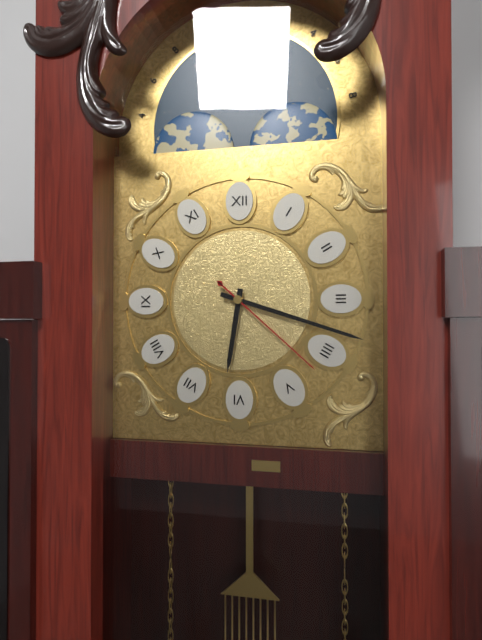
6h18m22s
